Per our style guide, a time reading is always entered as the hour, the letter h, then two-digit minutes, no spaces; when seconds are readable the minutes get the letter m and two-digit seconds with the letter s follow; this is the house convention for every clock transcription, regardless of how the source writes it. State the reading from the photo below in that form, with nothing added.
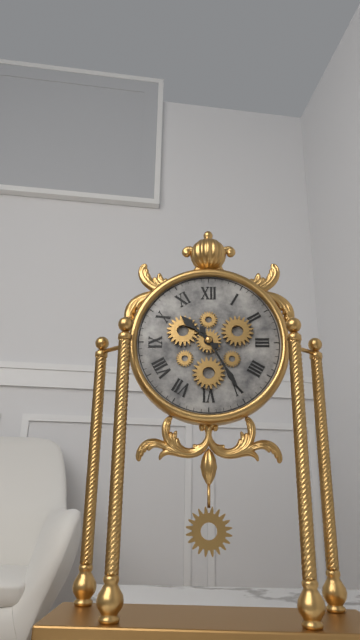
10h25
